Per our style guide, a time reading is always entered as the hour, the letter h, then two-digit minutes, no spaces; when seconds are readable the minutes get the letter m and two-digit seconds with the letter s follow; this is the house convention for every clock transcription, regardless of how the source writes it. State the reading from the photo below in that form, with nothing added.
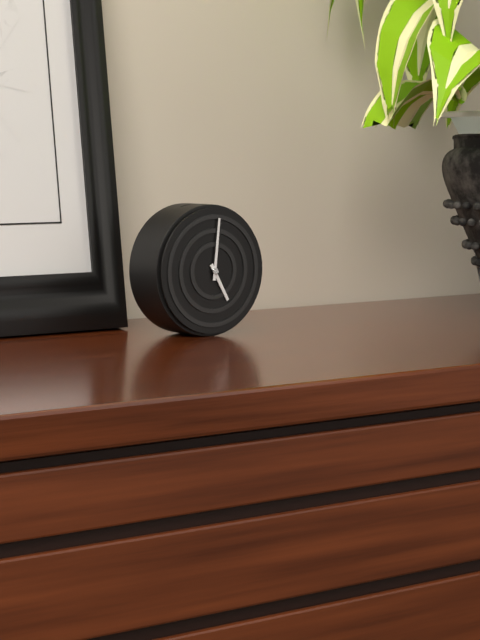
5h01
